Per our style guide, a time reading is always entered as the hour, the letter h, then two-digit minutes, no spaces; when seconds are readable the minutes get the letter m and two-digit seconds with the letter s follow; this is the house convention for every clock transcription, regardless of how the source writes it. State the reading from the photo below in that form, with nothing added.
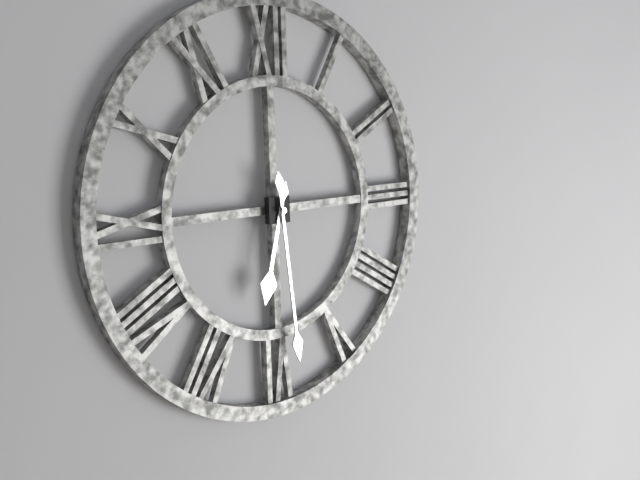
6h29
